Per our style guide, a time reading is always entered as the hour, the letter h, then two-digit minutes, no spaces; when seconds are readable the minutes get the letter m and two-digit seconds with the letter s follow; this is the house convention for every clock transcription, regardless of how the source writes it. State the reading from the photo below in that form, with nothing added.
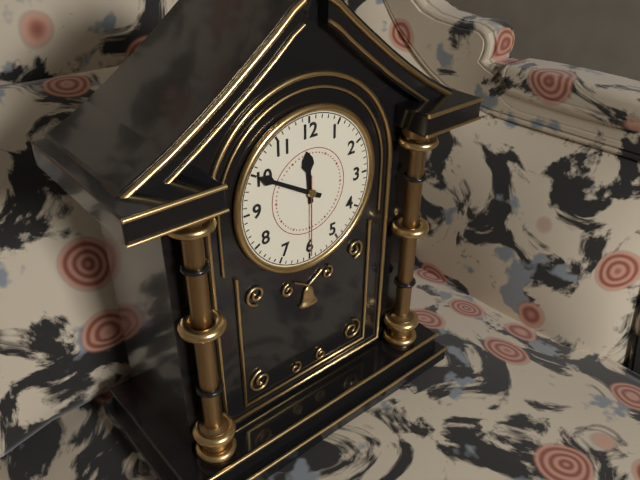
11h50m30s
